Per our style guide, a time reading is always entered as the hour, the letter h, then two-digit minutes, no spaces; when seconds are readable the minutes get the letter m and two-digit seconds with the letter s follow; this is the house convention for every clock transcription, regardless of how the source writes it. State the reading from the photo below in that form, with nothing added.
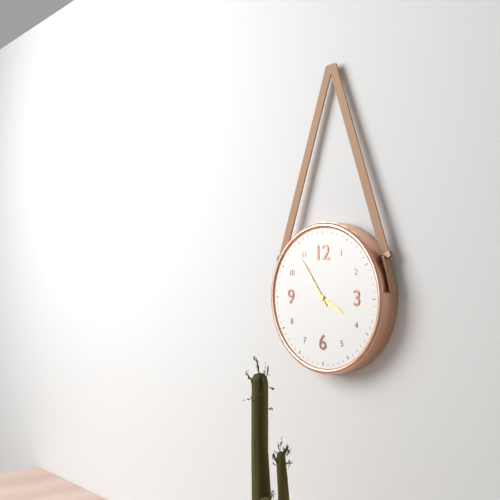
3h54
